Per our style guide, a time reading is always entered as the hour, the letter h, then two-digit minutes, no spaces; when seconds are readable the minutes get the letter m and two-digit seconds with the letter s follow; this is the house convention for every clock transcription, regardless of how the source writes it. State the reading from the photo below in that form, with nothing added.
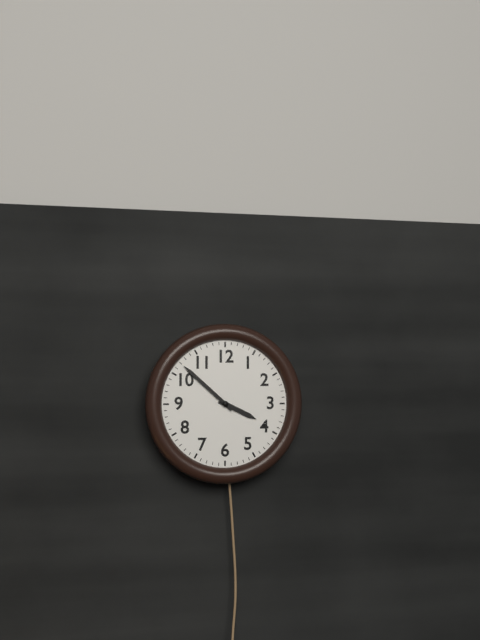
3h52
